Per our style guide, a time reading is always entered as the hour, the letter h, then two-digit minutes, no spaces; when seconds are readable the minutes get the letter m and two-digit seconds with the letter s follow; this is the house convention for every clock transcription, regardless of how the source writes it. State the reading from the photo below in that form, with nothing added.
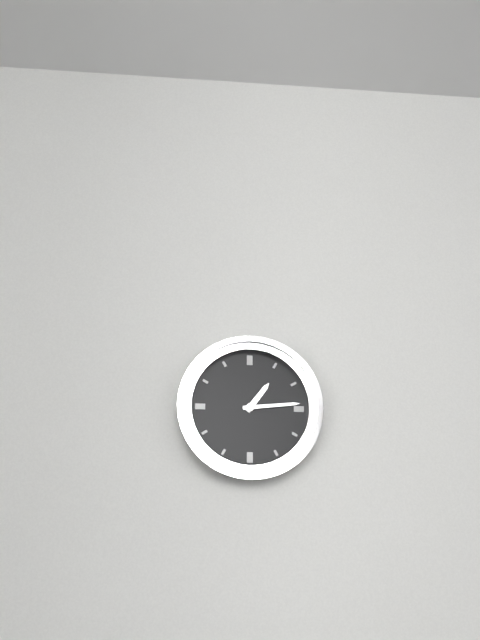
1h14
